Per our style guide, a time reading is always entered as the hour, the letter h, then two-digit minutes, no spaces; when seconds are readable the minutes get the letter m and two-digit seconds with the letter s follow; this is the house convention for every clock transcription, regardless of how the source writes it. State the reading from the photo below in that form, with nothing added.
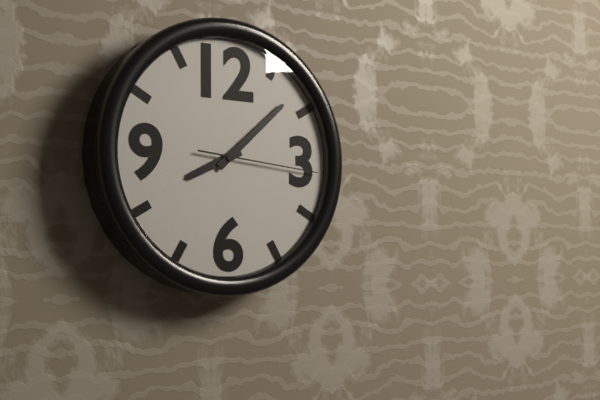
8h08m16s
